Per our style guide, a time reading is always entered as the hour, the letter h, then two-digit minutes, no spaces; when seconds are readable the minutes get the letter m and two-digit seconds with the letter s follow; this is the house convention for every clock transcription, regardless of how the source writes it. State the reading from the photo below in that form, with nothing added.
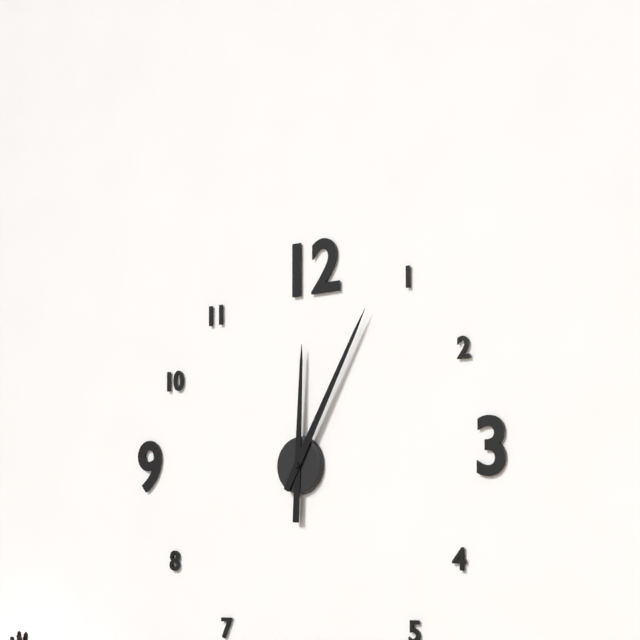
12h05
